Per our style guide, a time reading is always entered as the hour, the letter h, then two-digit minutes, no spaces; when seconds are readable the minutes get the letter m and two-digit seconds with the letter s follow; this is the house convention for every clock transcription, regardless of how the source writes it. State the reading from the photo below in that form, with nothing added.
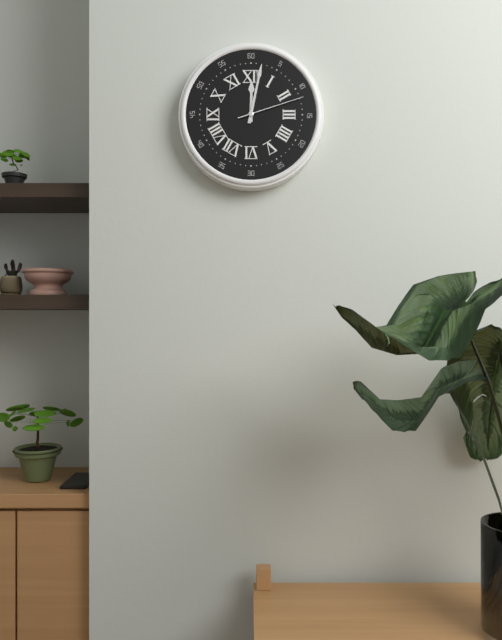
12h02m12s
